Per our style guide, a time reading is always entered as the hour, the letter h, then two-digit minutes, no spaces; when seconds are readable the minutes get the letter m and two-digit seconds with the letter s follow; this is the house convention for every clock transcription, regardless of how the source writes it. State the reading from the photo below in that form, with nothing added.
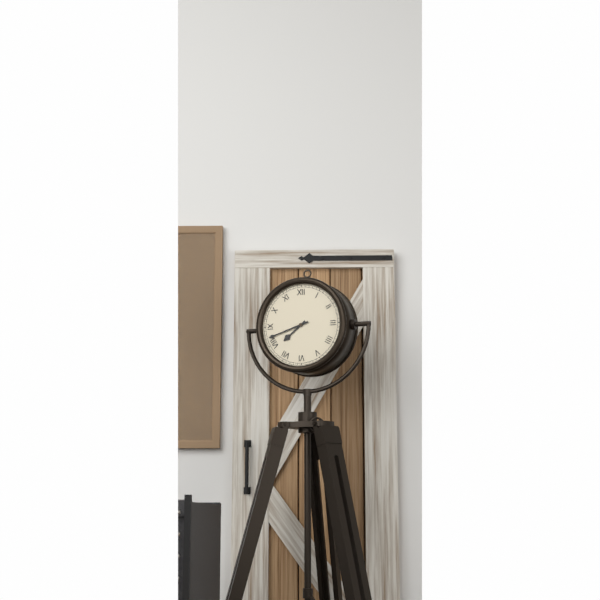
7h42
